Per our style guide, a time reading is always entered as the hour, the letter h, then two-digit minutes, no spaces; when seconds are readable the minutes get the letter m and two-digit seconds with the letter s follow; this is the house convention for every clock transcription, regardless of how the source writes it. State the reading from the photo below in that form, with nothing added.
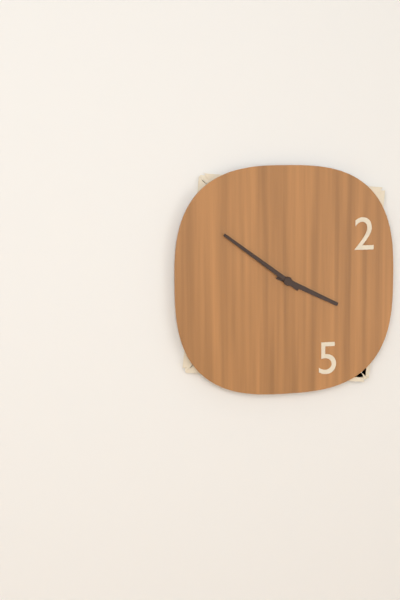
3h51
